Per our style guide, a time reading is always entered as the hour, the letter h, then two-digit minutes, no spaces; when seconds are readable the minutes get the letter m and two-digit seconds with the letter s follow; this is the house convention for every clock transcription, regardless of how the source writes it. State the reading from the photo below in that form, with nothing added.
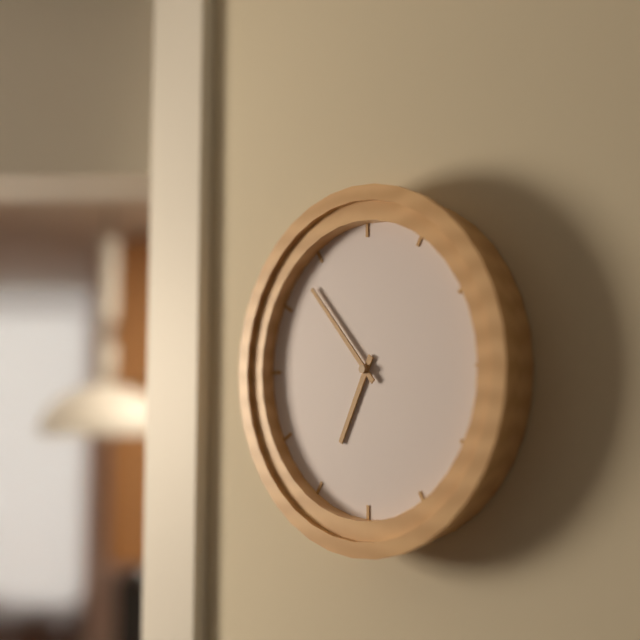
6h53
